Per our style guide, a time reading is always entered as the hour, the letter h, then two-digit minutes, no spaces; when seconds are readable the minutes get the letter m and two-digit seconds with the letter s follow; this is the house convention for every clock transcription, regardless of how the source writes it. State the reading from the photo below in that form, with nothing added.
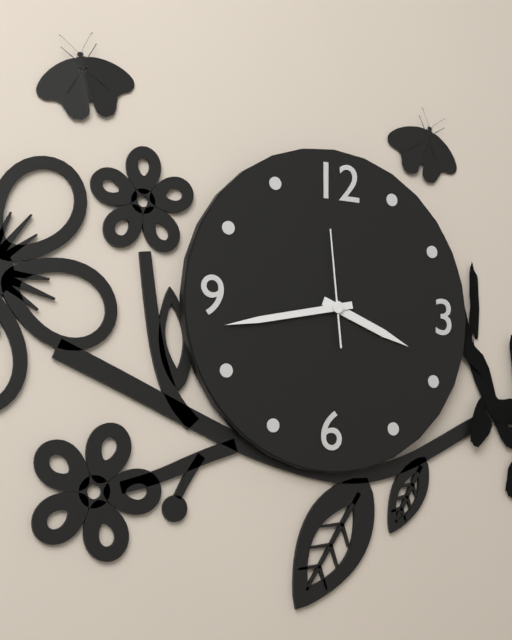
3h43m59s
